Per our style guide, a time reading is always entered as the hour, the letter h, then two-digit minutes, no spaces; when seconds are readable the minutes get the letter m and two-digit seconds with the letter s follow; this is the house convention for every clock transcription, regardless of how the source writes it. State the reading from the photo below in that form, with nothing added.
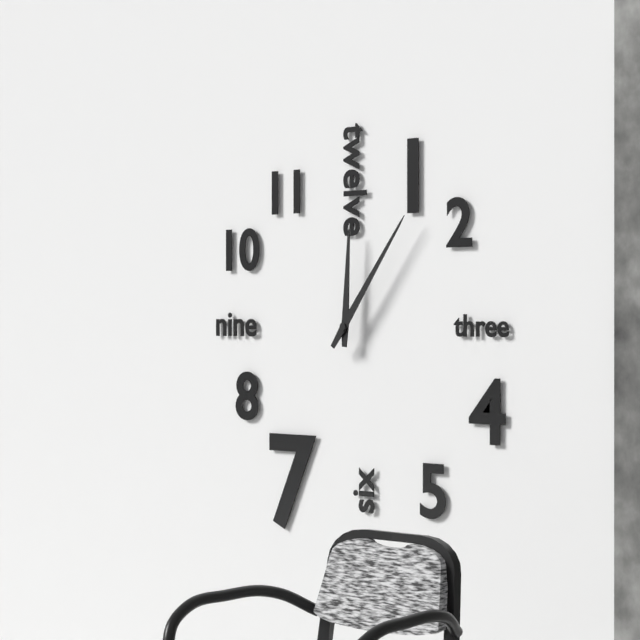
12h06
